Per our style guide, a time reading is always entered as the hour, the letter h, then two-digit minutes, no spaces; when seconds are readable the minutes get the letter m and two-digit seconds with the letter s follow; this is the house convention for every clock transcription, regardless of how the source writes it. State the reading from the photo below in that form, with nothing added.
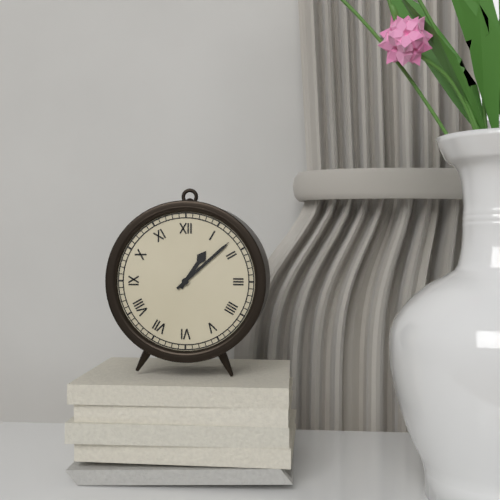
1h08
